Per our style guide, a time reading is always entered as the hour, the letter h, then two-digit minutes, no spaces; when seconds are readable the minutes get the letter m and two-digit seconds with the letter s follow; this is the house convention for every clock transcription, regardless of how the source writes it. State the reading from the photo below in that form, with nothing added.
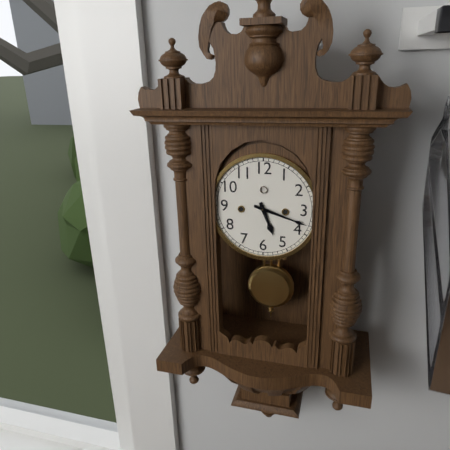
5h18
